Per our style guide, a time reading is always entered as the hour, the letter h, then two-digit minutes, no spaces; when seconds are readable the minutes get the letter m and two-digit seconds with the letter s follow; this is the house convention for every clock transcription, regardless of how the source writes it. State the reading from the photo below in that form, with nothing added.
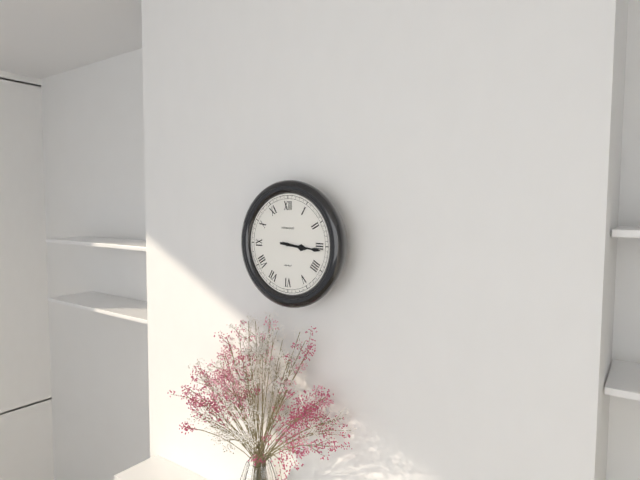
3h16
